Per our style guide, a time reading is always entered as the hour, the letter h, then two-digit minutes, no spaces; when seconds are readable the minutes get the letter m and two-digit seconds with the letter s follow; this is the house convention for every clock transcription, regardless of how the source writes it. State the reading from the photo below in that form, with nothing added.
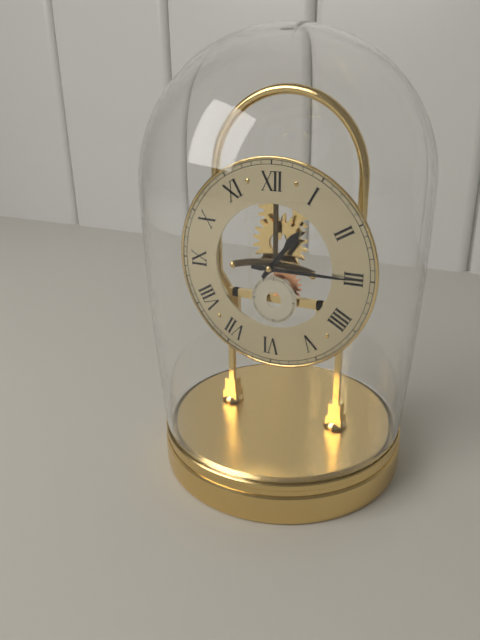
1h15
